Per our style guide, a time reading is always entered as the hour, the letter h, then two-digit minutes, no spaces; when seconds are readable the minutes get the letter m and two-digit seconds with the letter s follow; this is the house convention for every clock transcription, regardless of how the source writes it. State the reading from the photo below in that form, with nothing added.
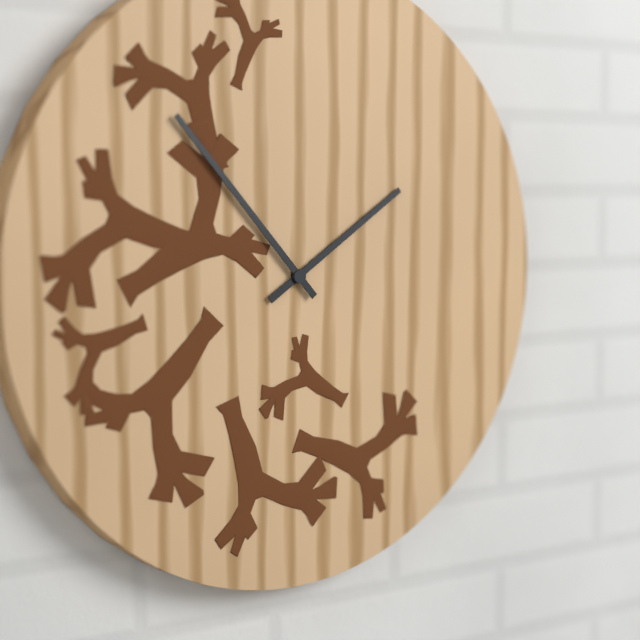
1h53
